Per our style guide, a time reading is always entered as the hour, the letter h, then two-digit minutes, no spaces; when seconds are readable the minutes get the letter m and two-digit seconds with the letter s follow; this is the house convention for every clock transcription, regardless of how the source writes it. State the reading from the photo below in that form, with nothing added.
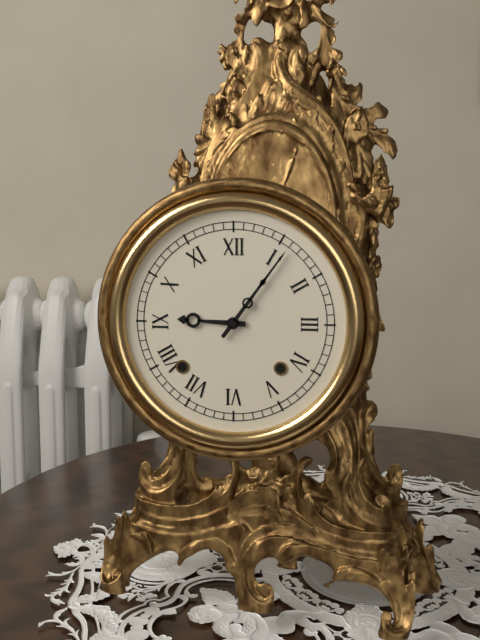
9h06
